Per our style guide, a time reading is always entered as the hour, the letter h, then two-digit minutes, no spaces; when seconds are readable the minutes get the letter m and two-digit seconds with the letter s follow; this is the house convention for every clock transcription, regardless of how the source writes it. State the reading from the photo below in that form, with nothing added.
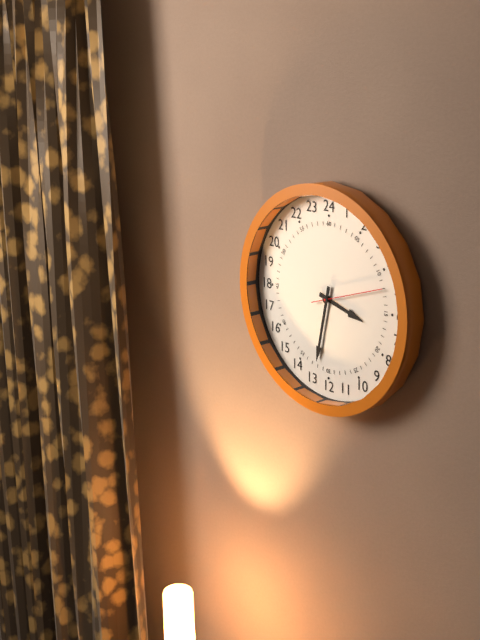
3h32m12s
